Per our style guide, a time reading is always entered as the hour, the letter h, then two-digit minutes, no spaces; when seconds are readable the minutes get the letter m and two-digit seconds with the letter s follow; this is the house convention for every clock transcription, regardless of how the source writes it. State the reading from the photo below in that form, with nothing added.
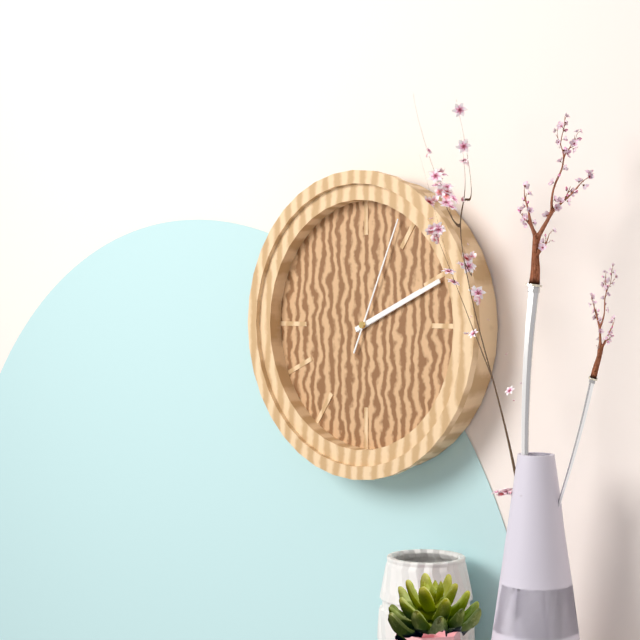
2h11m04s
